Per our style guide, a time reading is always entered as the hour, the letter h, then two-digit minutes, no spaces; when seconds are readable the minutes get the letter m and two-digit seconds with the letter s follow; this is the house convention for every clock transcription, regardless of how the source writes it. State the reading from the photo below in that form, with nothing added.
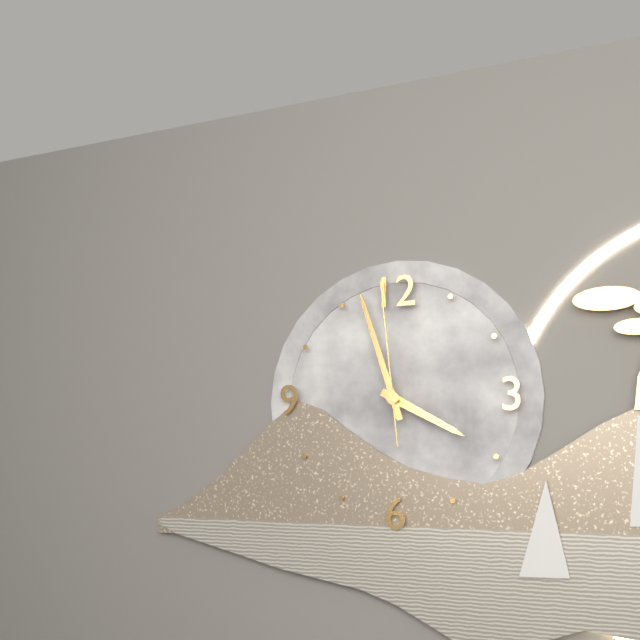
3h57m59s
